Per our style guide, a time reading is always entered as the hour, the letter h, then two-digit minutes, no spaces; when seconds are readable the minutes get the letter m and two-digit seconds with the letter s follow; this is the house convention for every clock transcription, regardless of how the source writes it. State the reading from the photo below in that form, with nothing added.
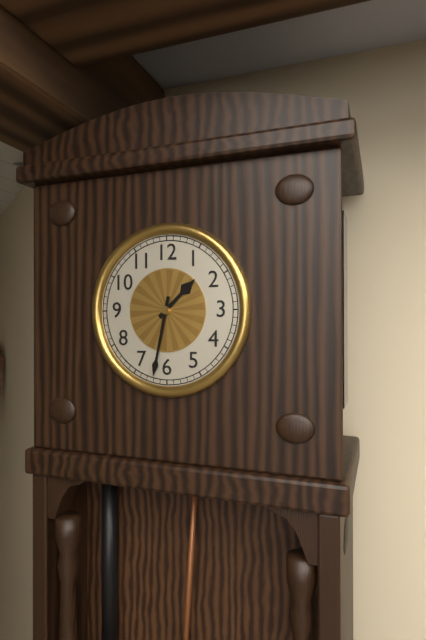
1h32
